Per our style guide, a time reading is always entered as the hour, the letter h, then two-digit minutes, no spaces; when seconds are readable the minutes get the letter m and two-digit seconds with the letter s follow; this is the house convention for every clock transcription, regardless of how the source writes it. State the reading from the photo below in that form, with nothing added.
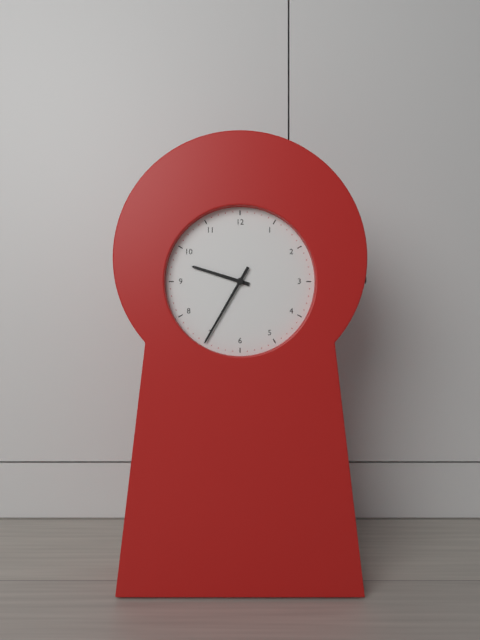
9h35
